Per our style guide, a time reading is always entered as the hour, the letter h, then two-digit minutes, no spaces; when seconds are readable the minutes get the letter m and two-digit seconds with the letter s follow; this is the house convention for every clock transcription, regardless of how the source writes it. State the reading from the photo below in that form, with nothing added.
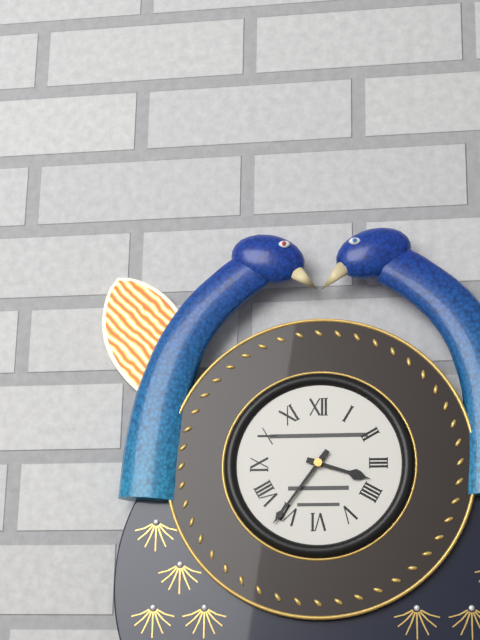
3h36
